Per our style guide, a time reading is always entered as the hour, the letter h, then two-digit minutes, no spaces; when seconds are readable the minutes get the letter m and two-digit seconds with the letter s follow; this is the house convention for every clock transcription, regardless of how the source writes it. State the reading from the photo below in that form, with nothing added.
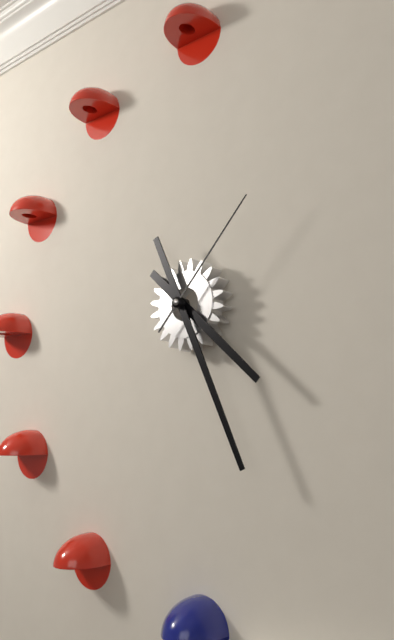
4h26m07s
